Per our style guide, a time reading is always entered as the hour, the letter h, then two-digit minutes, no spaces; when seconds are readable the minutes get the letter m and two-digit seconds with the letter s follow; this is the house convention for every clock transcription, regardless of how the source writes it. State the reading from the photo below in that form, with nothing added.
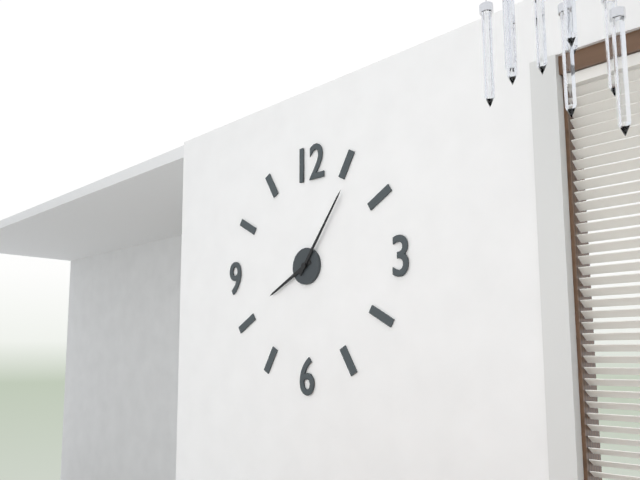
8h06
